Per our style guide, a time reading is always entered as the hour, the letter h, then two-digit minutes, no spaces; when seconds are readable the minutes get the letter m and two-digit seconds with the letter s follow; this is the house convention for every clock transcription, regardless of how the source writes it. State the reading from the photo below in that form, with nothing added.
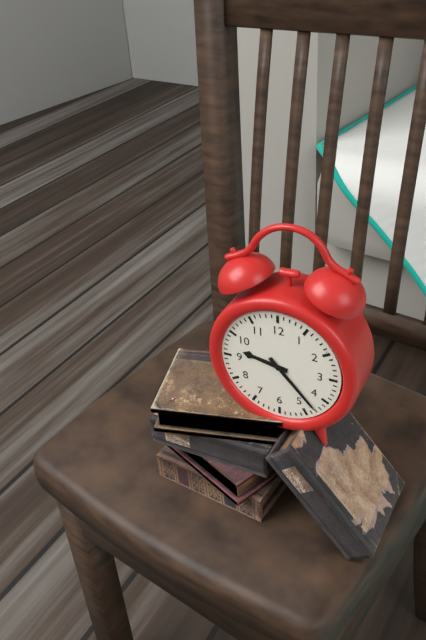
9h23
